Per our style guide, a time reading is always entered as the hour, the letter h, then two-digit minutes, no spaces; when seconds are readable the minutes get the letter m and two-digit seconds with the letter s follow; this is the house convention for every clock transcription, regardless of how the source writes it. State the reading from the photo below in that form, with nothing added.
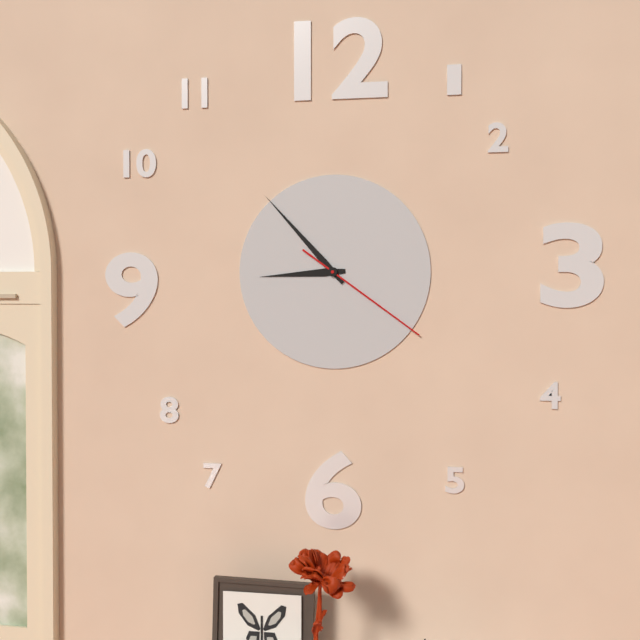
8h53m21s
